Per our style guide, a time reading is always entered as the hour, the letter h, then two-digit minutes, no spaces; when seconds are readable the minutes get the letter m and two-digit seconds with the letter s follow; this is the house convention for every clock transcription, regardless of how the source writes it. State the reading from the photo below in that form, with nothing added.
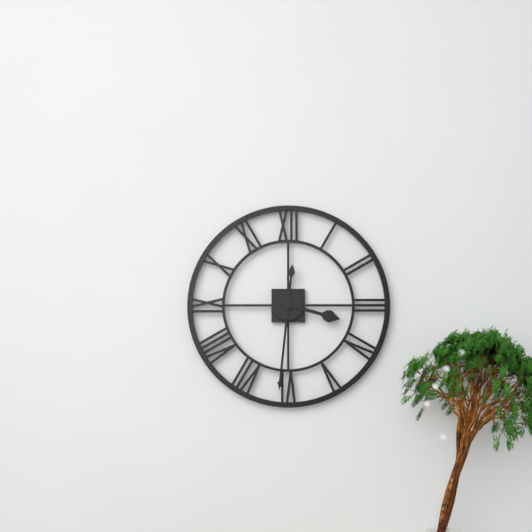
3h31
